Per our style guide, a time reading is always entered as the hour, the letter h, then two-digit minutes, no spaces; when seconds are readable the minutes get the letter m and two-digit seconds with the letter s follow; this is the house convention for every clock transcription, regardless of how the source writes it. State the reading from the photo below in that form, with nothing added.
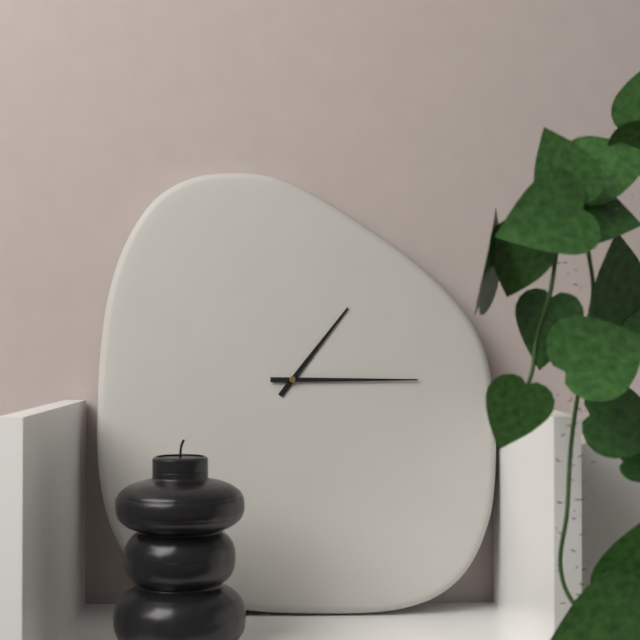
1h15
